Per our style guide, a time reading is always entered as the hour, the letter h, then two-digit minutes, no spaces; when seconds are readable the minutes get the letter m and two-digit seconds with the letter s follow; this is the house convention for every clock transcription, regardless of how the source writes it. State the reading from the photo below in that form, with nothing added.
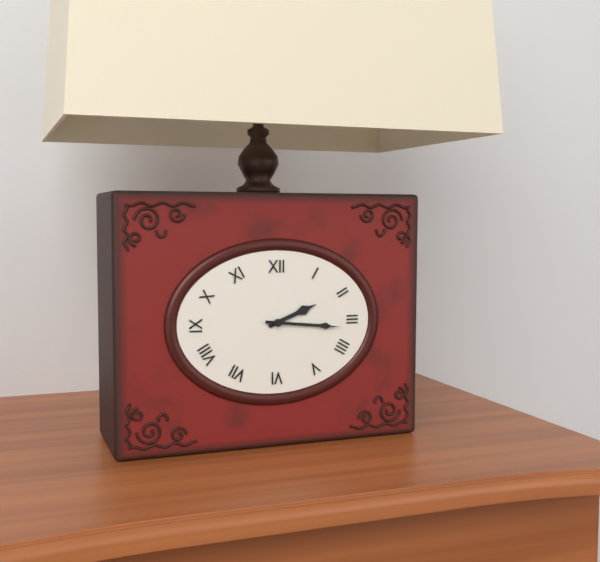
2h16
